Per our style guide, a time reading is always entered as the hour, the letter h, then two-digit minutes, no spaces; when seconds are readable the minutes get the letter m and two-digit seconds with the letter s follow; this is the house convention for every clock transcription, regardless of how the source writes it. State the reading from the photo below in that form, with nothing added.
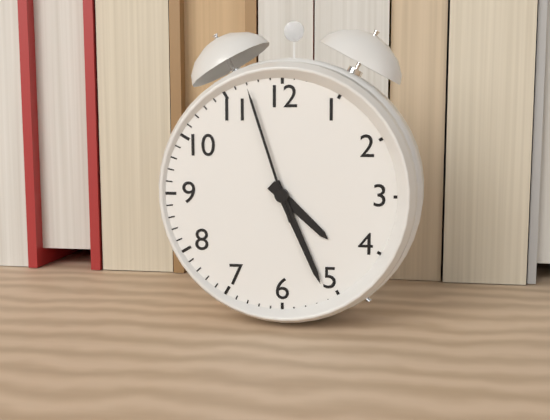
4h26m57s
